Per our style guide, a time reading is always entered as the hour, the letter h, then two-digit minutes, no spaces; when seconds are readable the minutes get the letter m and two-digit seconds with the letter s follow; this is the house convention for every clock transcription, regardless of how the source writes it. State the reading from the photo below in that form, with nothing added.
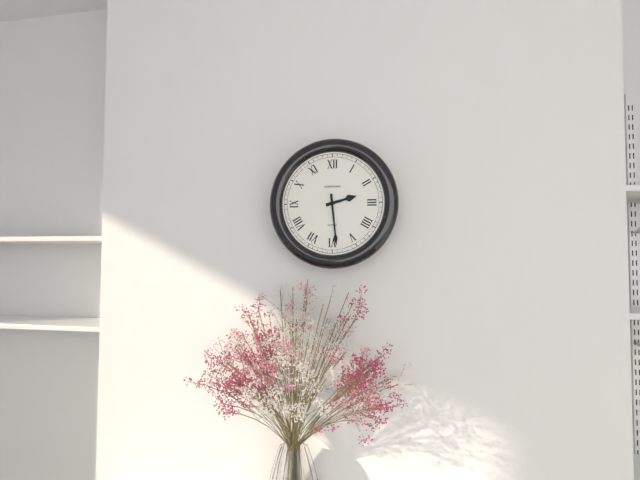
2h29
